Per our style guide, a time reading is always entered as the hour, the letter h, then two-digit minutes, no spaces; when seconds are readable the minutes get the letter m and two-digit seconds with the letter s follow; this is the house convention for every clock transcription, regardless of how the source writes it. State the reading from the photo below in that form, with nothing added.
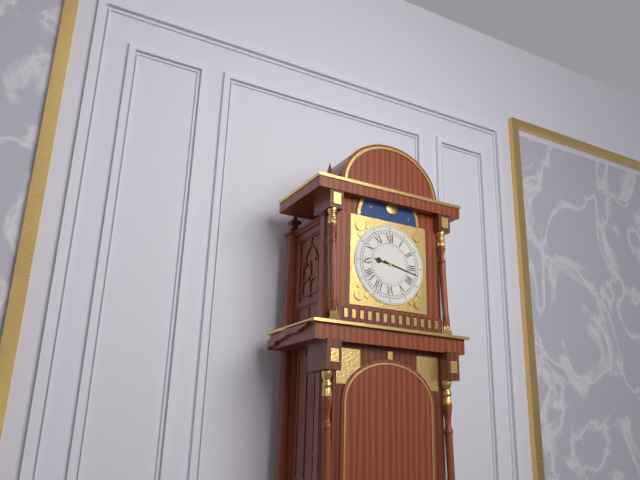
9h17
